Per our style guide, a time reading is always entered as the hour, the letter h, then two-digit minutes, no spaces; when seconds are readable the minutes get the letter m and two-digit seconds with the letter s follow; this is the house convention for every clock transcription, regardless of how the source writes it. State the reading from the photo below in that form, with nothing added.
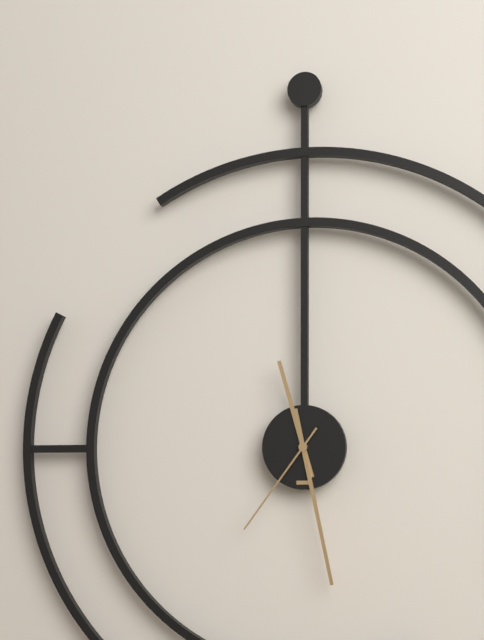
11h28m36s
